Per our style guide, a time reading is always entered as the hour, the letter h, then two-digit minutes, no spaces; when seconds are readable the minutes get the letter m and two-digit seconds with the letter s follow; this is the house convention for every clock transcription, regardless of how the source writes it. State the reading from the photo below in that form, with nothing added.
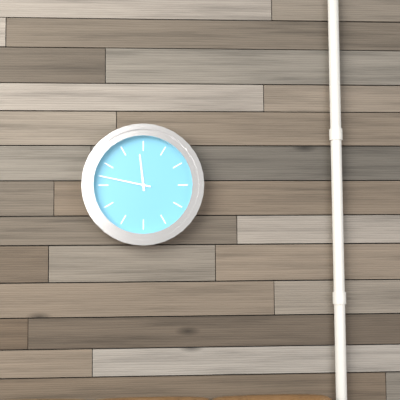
11h47
